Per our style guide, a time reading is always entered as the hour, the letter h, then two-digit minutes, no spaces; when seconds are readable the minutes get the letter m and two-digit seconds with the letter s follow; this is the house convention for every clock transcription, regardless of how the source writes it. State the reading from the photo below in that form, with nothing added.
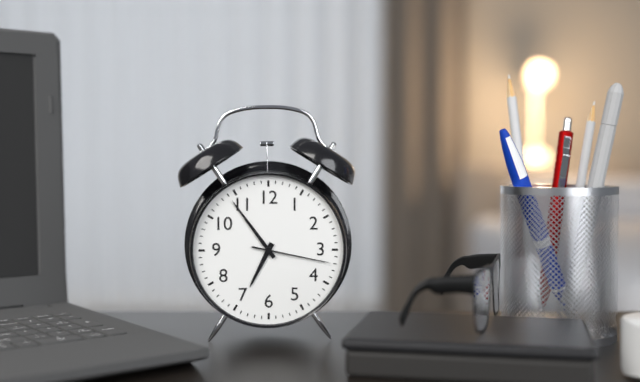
6h54m17s
